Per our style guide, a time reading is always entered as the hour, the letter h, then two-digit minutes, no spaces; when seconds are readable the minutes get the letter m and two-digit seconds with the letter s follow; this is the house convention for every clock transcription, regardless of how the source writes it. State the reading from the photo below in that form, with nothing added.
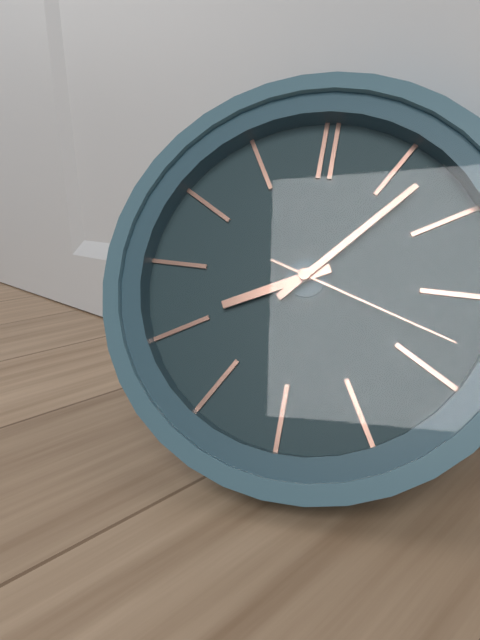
8h07m18s
